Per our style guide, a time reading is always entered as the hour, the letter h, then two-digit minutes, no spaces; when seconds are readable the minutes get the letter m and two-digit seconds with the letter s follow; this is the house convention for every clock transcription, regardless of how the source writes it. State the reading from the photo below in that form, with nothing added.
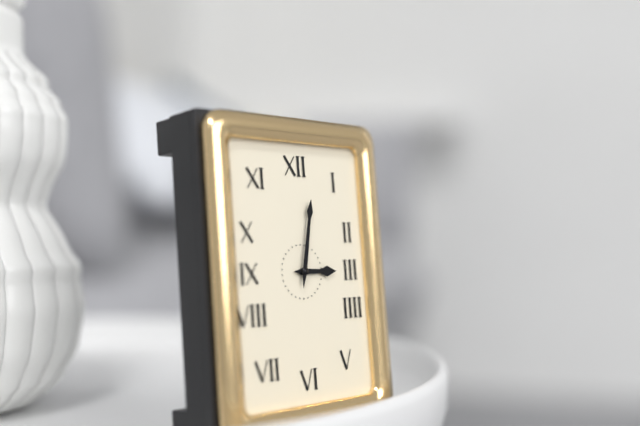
3h02
